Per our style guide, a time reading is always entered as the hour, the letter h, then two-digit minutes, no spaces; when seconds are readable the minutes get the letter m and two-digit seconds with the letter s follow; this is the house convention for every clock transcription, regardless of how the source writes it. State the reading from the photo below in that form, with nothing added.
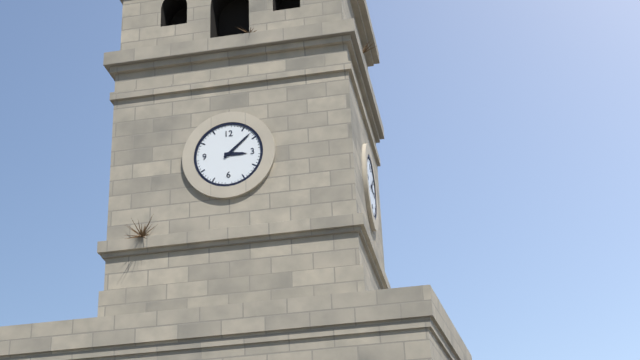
3h08
